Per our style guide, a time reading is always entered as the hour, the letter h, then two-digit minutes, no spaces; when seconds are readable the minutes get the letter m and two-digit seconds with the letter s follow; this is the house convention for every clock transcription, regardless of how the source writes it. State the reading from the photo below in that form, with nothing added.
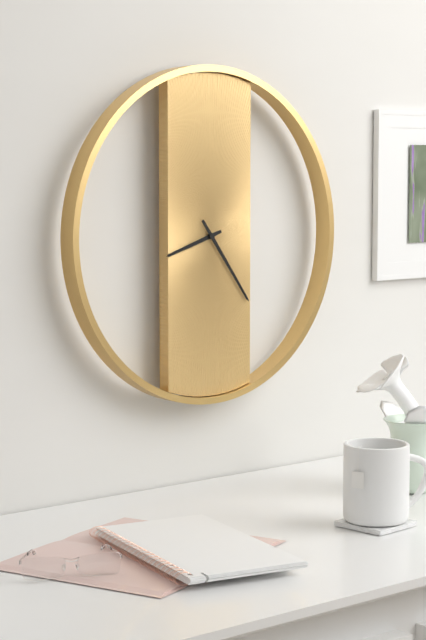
8h24
